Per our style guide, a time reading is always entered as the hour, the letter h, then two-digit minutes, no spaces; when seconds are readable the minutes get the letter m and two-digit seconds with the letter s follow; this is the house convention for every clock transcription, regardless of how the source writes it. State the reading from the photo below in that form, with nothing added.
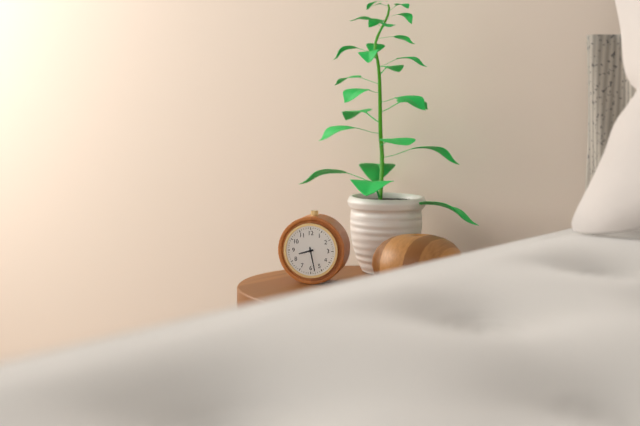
8h28
